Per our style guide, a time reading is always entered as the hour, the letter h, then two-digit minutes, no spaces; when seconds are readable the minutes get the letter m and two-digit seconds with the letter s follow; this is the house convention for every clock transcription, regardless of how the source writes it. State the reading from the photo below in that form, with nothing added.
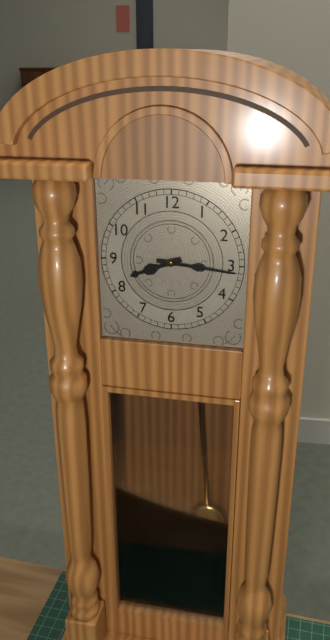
8h16
